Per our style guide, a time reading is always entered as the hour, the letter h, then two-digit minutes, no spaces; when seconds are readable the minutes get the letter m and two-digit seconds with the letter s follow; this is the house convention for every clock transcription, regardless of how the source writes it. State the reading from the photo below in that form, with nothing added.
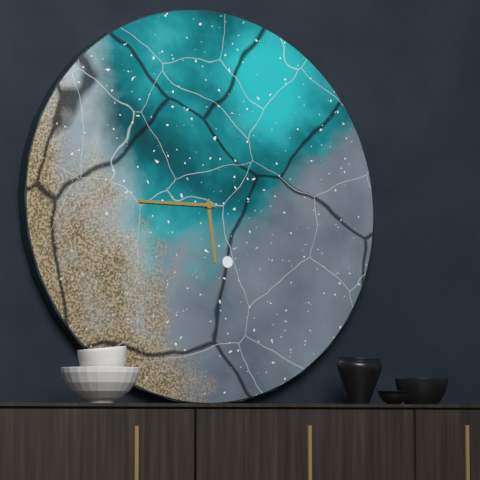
5h45
